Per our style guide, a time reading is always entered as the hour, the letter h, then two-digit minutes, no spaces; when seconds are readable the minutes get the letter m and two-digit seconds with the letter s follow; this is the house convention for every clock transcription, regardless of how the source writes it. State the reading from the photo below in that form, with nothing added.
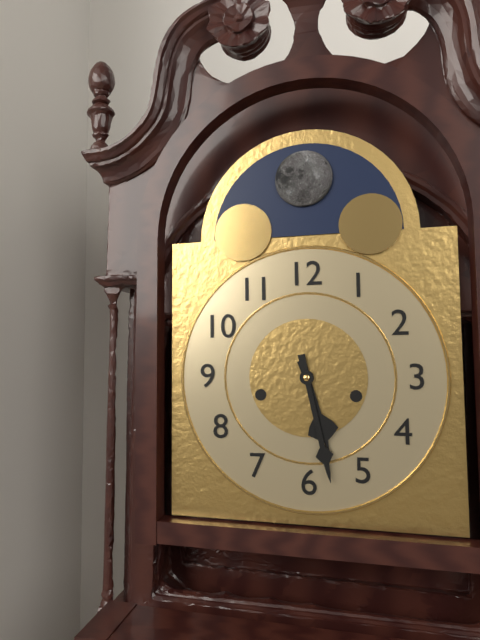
5h28
